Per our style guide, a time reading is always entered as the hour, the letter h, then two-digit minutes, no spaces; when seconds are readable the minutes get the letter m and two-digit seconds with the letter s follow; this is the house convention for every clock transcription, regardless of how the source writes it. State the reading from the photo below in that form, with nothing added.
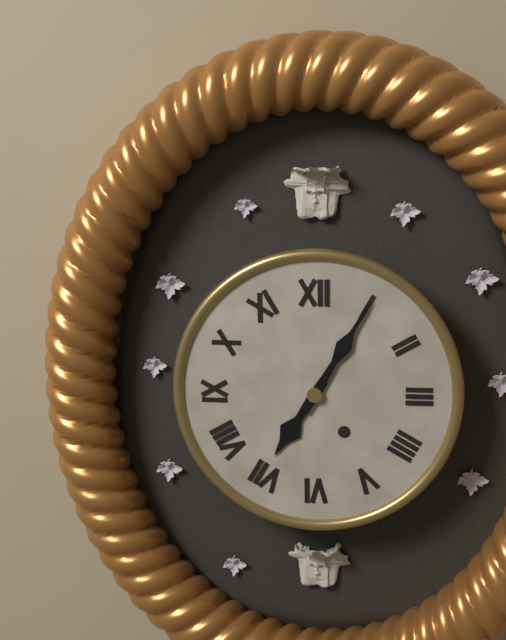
7h05
